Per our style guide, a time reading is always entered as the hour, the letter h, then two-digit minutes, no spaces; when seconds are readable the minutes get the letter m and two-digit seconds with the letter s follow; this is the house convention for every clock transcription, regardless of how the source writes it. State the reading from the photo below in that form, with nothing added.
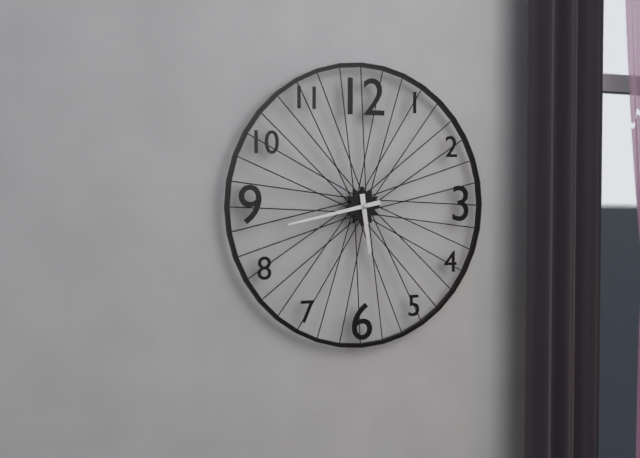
5h43
